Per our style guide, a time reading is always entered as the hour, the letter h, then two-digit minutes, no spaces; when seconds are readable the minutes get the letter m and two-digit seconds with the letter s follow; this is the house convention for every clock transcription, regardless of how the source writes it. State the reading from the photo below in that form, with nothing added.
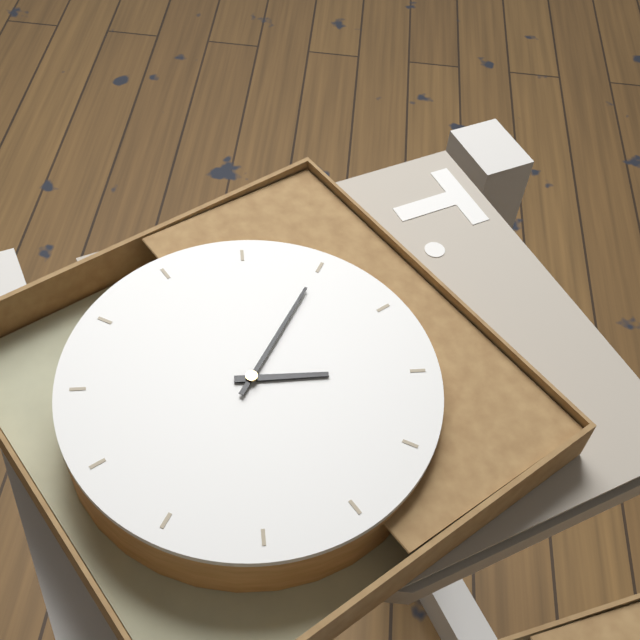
2h00
